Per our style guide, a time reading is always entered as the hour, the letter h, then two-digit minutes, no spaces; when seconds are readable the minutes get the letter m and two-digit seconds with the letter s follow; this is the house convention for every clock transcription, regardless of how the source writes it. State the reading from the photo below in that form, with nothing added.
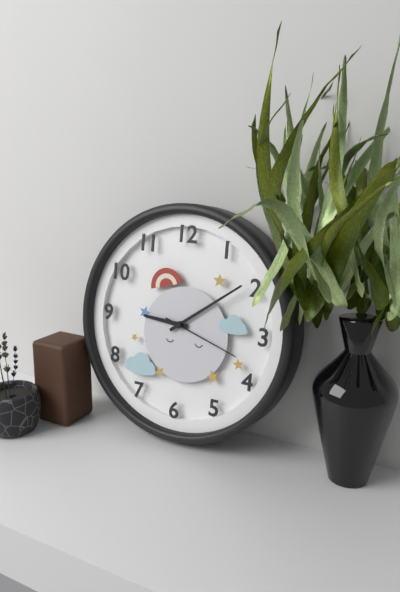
9h09m18s
